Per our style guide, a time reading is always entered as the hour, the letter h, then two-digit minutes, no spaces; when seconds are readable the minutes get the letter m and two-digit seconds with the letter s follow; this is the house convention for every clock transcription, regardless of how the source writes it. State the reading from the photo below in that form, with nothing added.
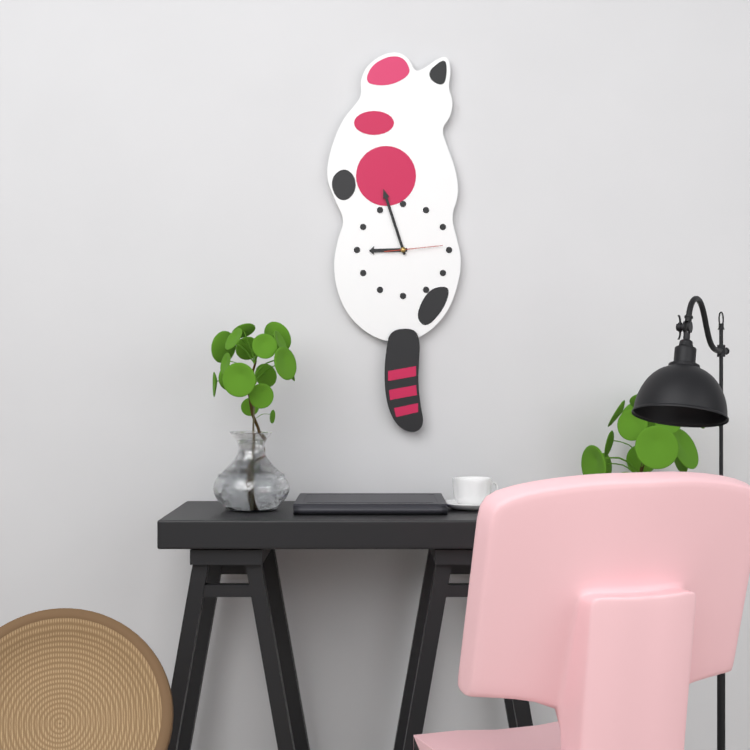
8h57m14s
